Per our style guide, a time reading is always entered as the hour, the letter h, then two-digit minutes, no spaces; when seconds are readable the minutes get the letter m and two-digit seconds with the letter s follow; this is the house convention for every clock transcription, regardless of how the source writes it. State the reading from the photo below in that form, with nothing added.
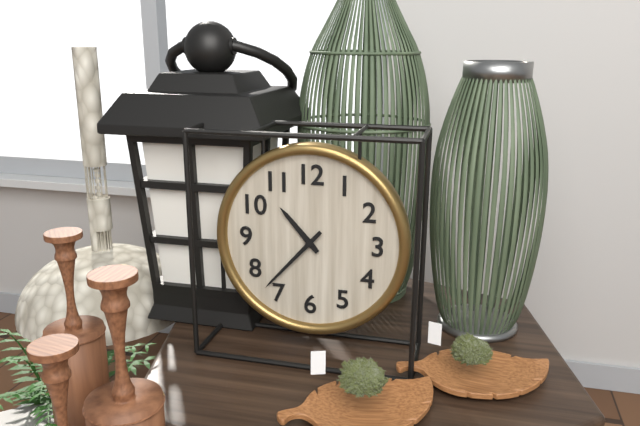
10h37
